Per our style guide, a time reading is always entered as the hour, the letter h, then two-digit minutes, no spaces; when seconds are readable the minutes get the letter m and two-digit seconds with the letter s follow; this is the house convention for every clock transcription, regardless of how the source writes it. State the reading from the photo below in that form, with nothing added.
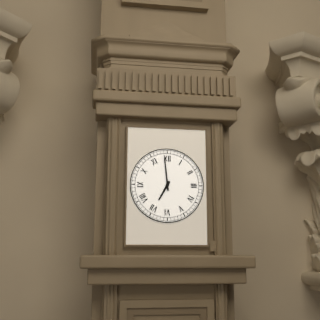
6h59
